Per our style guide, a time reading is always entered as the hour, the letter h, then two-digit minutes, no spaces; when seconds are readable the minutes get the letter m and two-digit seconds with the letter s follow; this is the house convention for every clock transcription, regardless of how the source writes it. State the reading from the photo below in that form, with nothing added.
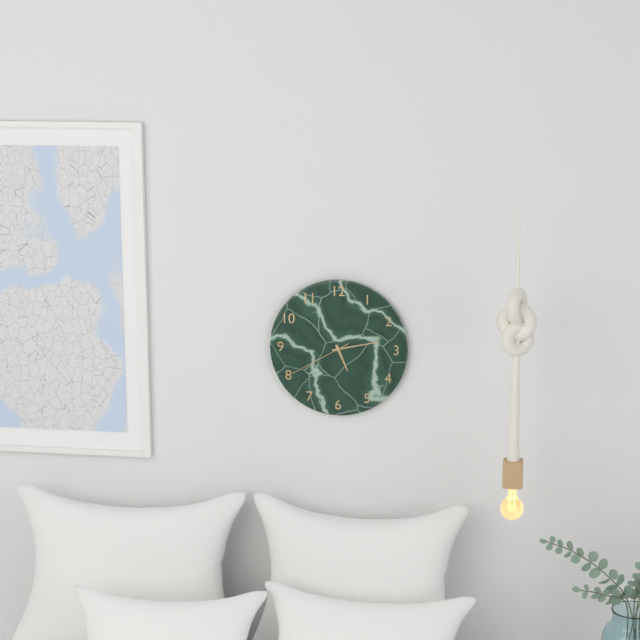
5h13m40s
